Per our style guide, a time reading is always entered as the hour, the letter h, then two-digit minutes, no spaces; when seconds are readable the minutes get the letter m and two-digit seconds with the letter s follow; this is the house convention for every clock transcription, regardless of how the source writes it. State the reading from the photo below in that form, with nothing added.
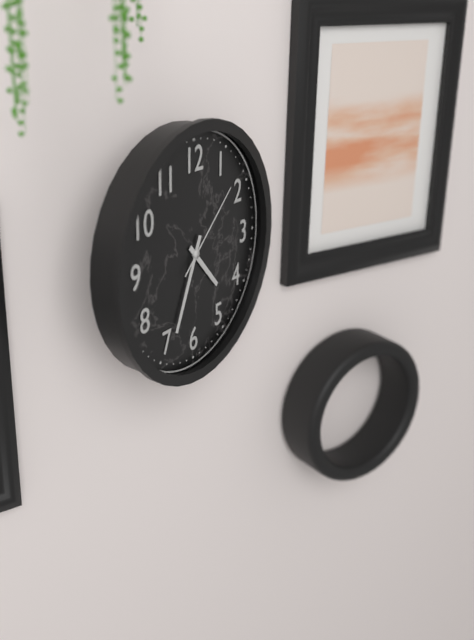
4h34m08s
